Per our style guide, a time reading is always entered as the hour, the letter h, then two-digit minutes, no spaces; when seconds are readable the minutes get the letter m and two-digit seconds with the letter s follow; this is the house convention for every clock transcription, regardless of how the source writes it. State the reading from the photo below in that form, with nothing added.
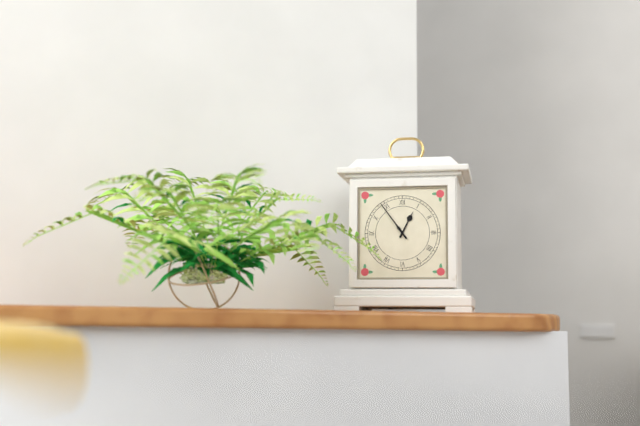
12h54
